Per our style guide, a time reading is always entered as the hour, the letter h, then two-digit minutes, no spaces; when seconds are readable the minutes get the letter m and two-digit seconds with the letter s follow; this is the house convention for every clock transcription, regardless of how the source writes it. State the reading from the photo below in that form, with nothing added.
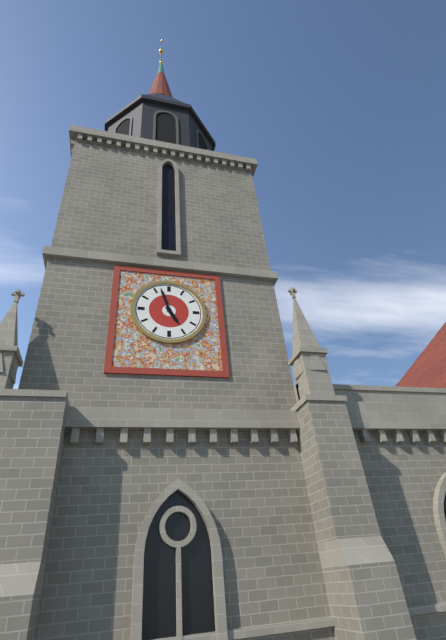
4h57
